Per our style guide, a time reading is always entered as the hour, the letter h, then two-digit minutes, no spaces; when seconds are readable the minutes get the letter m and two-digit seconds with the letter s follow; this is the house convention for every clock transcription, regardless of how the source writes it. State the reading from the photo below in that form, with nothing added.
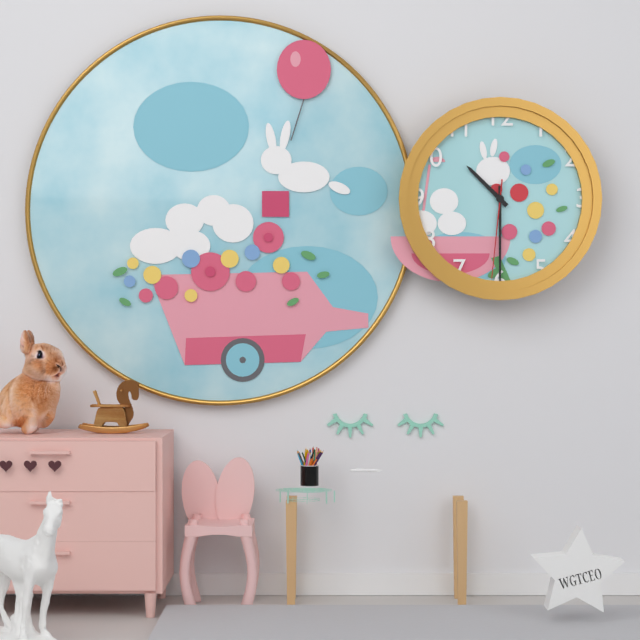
10h30m31s
